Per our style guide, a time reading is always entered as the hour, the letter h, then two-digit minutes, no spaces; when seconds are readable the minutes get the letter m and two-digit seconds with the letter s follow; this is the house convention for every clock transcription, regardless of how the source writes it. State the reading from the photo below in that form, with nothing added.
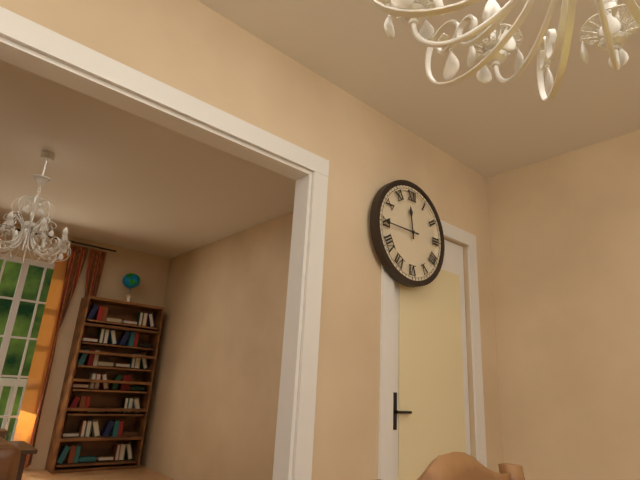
11h45
